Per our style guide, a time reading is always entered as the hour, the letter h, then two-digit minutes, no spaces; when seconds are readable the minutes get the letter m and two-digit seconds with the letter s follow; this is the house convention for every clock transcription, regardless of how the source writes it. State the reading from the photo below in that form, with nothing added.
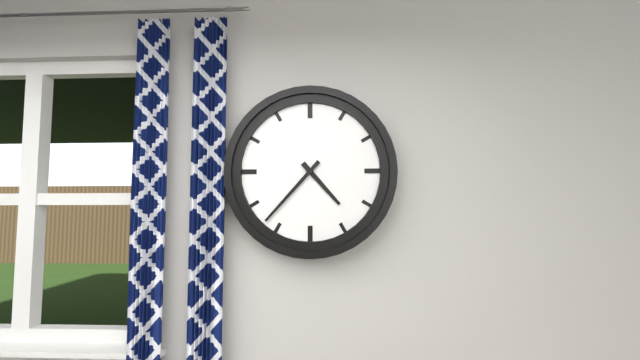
4h37
